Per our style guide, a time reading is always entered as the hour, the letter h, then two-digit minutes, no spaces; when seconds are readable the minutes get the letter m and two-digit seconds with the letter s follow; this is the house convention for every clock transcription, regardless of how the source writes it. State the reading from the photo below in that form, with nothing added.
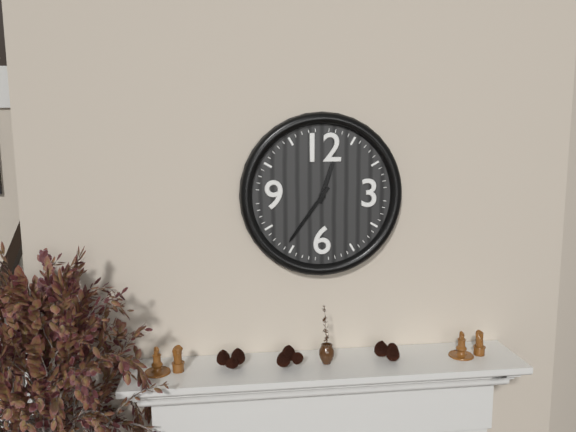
12h36
